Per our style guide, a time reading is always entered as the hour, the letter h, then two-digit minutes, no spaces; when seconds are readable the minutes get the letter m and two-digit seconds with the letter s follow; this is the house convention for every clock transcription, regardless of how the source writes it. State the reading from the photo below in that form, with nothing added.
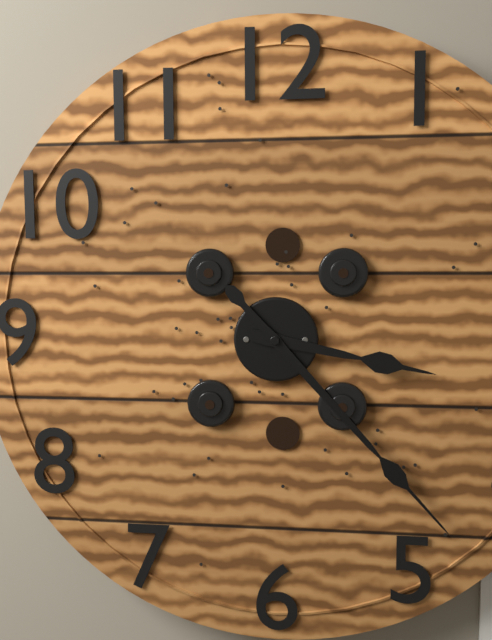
3h23
